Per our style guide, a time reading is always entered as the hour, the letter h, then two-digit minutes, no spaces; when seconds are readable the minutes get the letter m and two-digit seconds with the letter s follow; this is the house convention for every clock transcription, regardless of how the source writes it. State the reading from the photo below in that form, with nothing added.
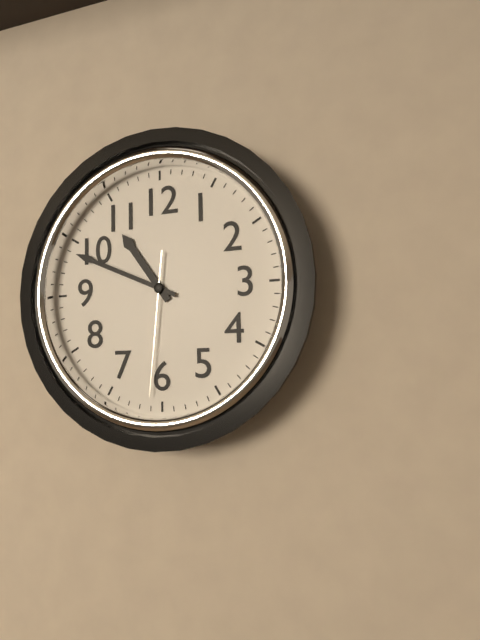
10h49m31s
